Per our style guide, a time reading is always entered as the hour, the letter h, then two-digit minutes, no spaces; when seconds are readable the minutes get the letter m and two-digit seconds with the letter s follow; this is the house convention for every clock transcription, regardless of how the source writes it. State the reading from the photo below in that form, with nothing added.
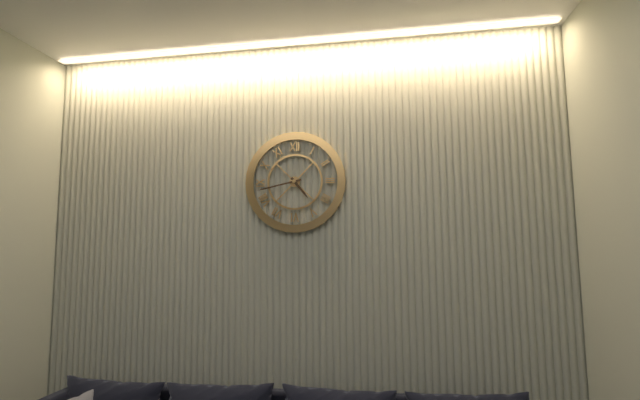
4h43
